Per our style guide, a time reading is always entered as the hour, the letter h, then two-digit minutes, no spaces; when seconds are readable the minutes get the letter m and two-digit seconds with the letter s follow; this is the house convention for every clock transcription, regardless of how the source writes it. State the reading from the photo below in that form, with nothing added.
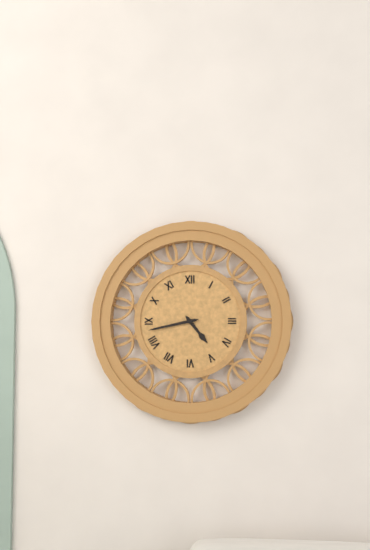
4h43
